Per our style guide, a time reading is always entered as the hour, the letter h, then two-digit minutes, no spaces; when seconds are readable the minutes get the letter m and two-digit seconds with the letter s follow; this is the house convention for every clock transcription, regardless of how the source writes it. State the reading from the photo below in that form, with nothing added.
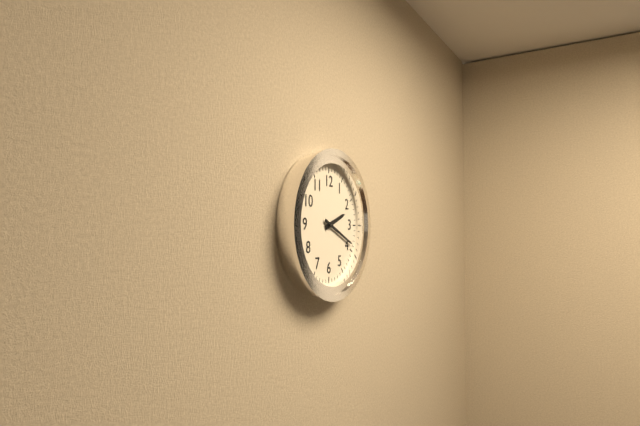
2h19
